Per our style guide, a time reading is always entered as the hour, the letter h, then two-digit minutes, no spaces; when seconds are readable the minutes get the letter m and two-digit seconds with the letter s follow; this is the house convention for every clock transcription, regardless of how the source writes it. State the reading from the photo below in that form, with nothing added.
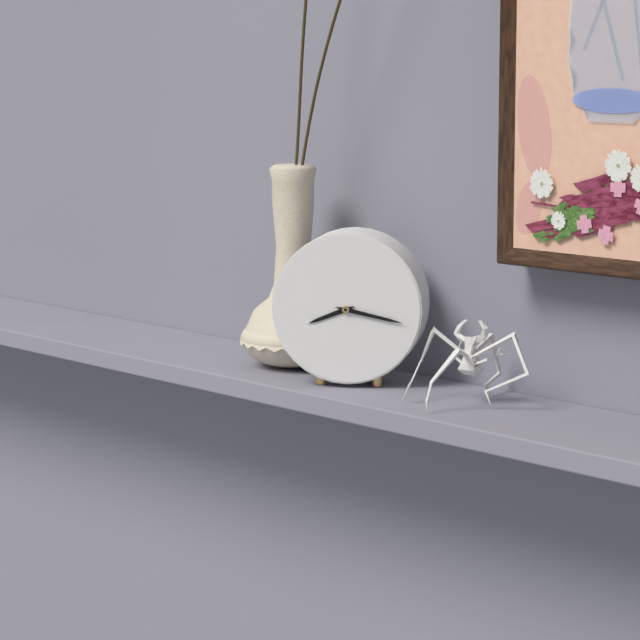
8h17
